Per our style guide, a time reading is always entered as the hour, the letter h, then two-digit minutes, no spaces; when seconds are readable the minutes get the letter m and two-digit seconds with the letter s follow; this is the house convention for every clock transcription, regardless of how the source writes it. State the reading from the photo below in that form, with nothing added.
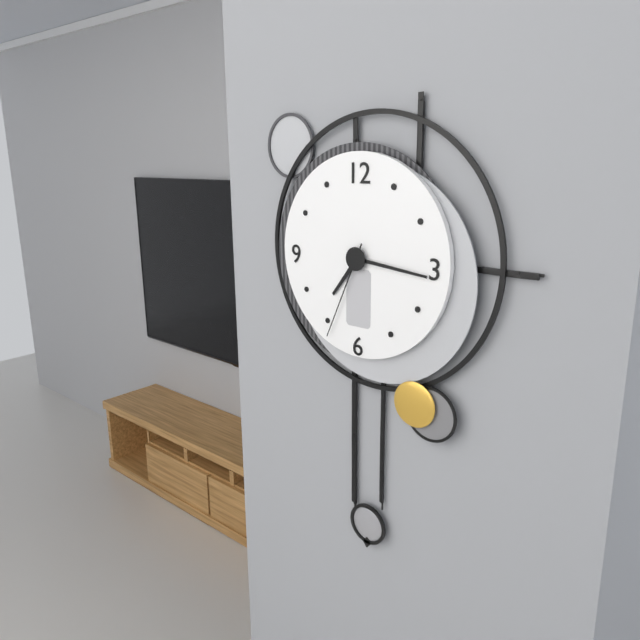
7h16m34s
